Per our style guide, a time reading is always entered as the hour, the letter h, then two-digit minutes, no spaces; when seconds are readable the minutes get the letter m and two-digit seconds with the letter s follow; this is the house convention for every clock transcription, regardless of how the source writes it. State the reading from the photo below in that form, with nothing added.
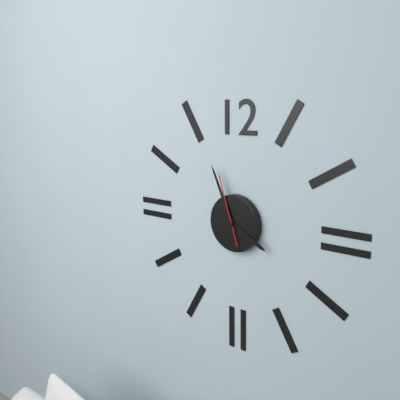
3h56m57s
